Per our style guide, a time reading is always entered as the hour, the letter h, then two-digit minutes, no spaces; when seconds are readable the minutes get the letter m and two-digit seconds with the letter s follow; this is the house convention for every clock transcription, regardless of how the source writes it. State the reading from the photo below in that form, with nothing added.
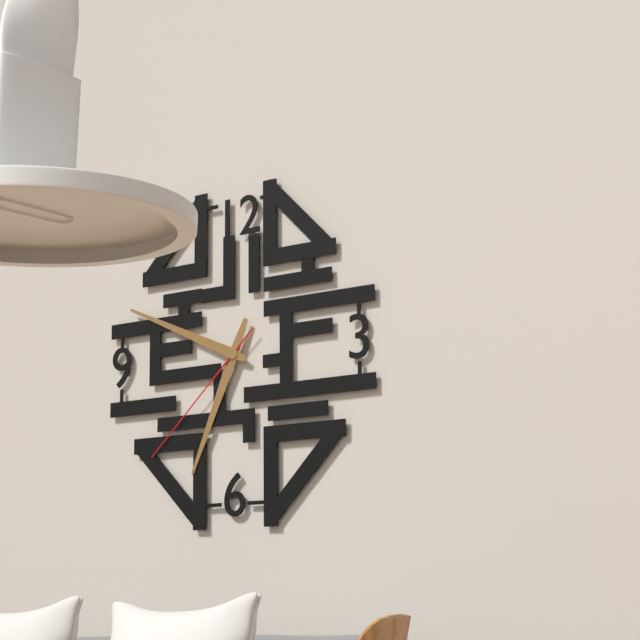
6h49m38s
